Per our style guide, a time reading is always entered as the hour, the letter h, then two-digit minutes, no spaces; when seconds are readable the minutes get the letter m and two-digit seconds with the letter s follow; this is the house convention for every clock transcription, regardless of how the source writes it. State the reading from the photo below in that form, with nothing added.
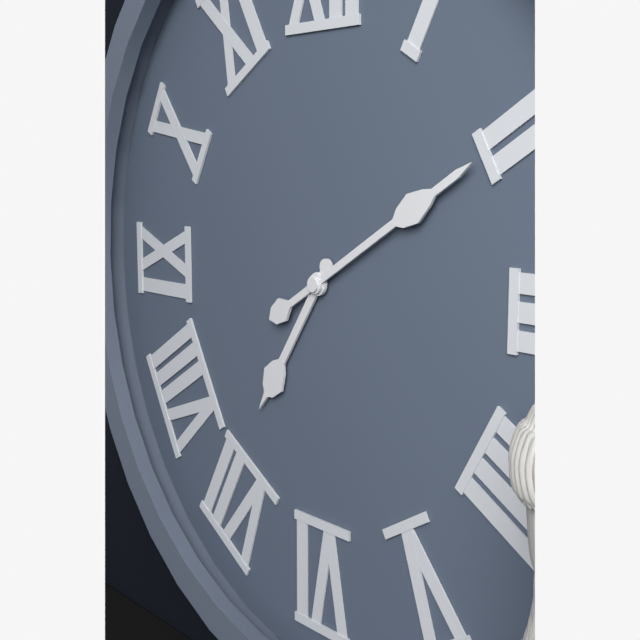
7h10
